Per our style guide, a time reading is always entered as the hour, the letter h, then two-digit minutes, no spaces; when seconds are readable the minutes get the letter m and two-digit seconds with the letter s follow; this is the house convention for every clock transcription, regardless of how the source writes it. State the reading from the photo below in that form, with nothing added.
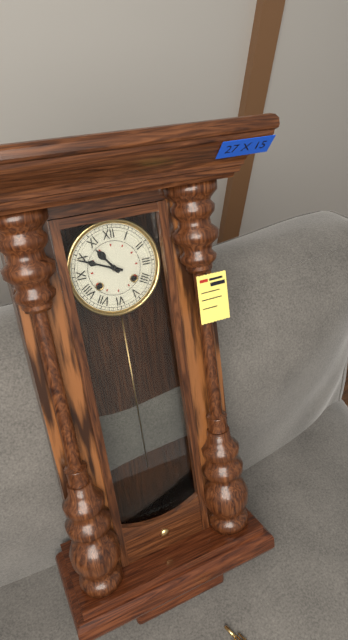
10h49
